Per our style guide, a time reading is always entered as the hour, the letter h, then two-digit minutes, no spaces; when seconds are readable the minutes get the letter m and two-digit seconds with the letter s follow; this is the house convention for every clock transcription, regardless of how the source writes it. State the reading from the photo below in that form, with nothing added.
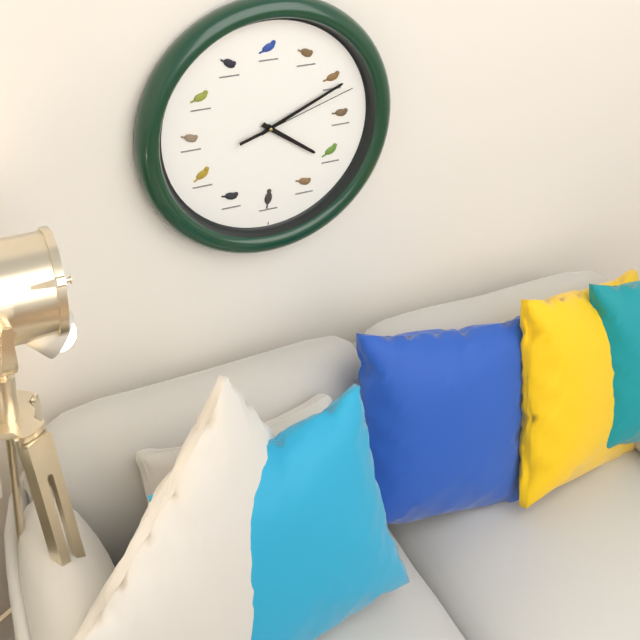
4h11m12s
